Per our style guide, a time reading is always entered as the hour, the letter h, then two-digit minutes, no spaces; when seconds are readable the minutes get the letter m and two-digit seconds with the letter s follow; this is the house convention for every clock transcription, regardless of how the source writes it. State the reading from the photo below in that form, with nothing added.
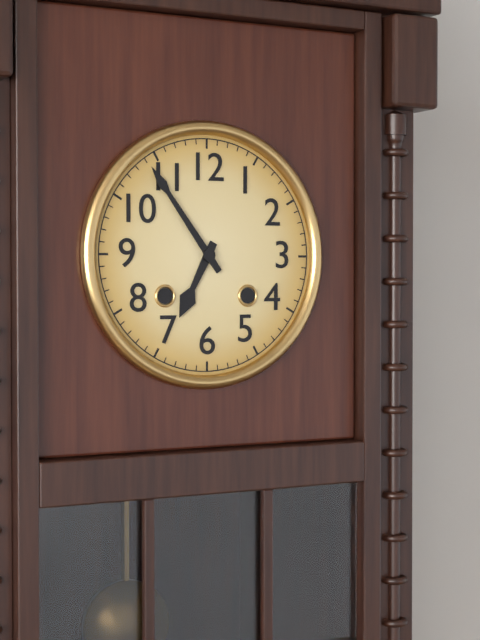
6h54
